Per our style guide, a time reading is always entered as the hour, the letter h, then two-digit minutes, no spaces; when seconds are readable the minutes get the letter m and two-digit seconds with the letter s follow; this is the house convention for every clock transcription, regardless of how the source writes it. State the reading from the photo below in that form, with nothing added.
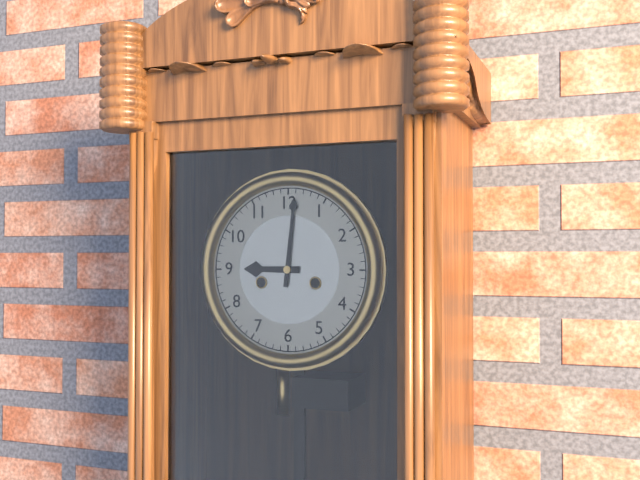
9h01
